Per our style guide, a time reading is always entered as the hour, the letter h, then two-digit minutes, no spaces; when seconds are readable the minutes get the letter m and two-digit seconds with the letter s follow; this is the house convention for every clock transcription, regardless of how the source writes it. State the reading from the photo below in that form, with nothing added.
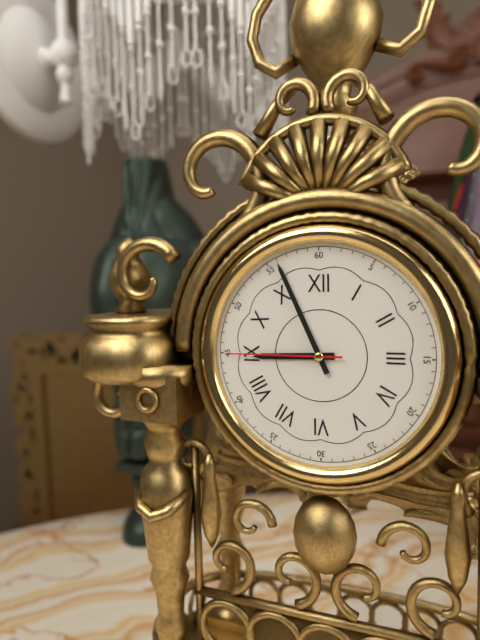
8h56m45s
